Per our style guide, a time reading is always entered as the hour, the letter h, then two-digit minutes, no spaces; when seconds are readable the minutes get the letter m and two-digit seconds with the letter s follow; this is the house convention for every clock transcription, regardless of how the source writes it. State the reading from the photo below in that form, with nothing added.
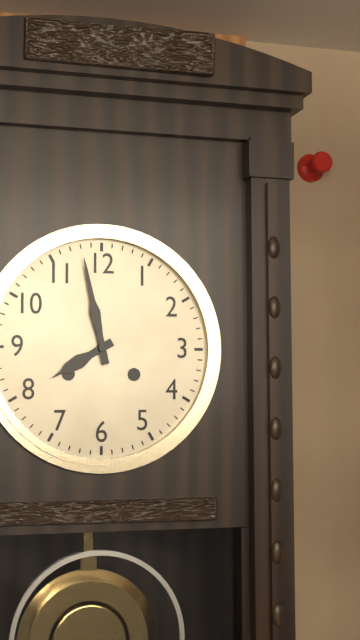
7h58
